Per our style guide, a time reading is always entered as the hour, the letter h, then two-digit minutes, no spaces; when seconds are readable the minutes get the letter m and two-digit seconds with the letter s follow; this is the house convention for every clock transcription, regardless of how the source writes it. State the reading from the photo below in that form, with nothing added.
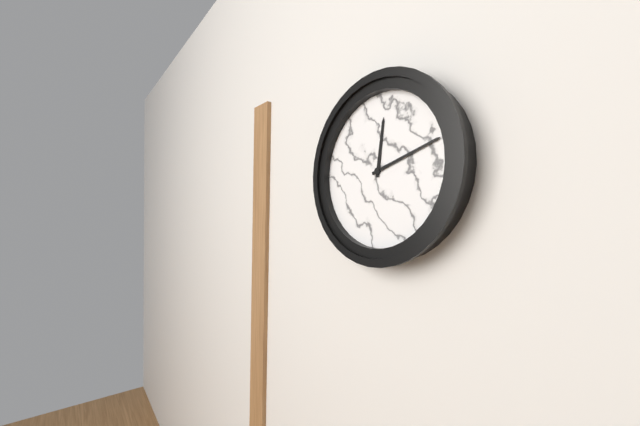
12h12
